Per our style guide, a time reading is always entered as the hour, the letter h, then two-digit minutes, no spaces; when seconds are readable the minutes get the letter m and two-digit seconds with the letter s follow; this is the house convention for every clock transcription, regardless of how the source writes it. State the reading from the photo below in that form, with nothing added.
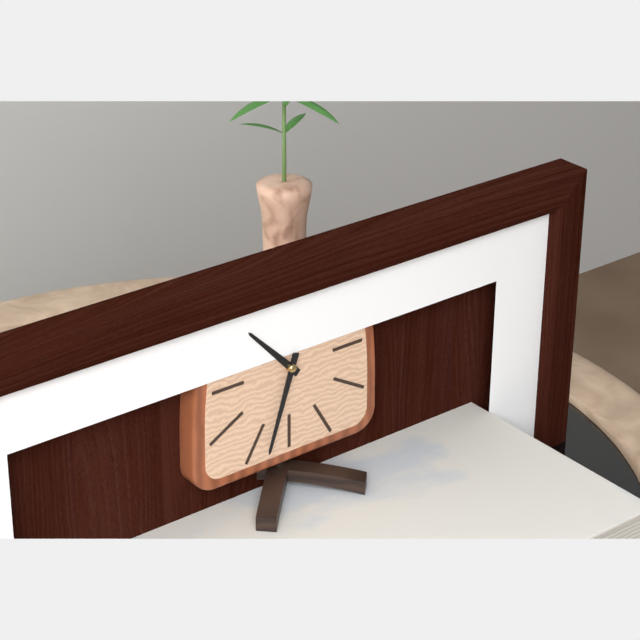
10h33
